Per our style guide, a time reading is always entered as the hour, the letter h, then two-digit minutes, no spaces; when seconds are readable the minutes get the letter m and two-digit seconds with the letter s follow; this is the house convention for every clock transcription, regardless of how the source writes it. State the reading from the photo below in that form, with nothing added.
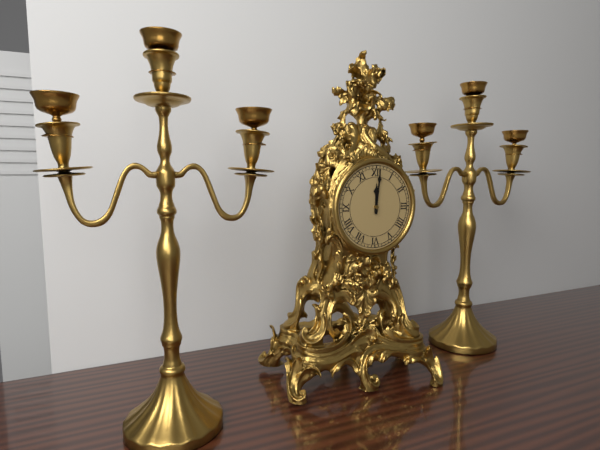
12h01
